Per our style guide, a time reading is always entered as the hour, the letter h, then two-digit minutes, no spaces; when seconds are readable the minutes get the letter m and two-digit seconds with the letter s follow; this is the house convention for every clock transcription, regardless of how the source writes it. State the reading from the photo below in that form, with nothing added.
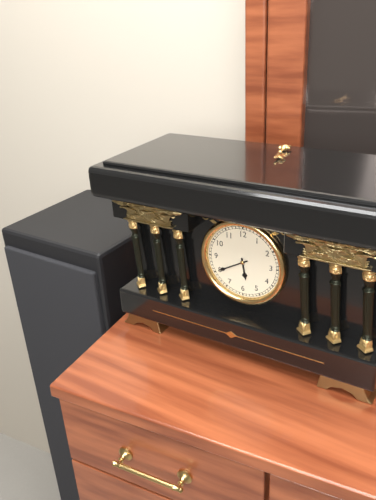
5h40
